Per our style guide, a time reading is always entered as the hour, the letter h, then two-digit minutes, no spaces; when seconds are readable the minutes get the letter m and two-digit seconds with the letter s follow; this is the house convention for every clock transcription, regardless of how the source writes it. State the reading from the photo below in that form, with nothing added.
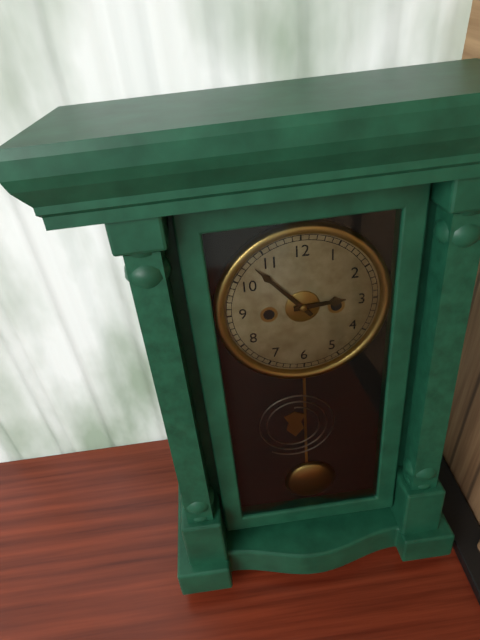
2h53
